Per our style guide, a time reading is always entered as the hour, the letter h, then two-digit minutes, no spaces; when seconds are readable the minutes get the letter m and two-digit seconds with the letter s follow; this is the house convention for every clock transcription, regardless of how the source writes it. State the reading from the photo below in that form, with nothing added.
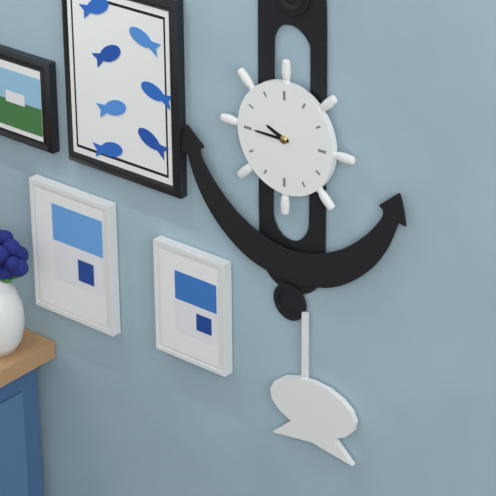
9h45
